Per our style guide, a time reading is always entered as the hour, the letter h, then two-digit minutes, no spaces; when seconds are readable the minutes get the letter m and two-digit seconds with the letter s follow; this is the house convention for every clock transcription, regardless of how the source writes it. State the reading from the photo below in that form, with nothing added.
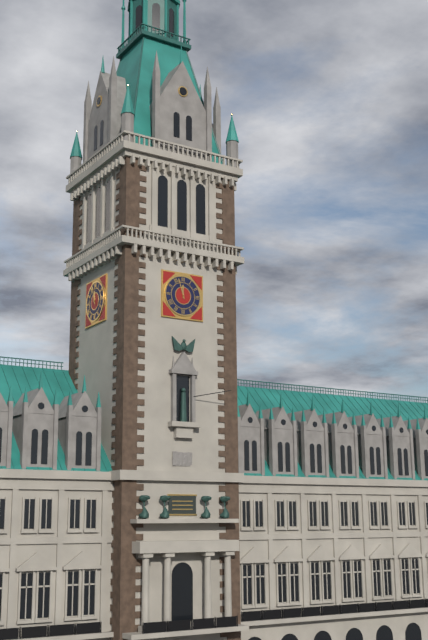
11h57
